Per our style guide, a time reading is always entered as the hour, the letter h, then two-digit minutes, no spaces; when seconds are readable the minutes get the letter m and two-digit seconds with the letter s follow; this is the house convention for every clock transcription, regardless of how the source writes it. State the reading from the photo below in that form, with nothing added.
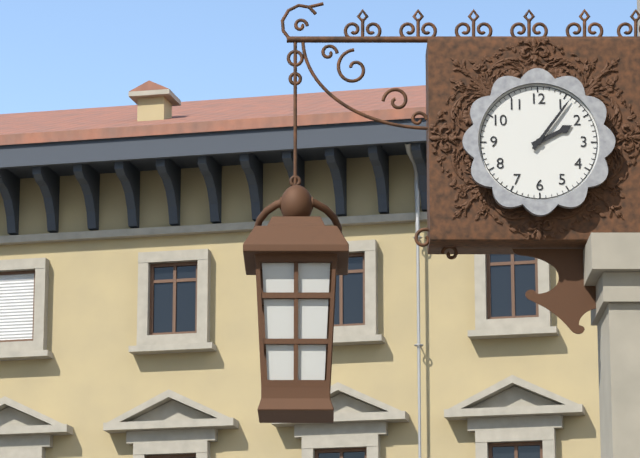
2h06
